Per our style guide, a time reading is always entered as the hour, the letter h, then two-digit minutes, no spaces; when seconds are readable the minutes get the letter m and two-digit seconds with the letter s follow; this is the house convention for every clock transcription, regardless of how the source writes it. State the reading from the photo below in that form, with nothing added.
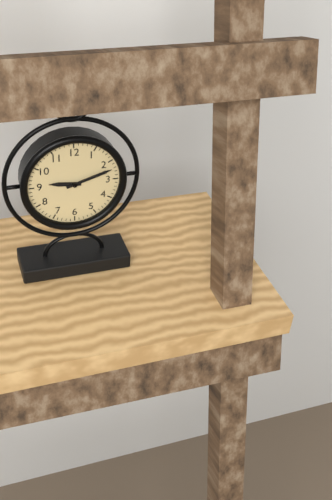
9h12
